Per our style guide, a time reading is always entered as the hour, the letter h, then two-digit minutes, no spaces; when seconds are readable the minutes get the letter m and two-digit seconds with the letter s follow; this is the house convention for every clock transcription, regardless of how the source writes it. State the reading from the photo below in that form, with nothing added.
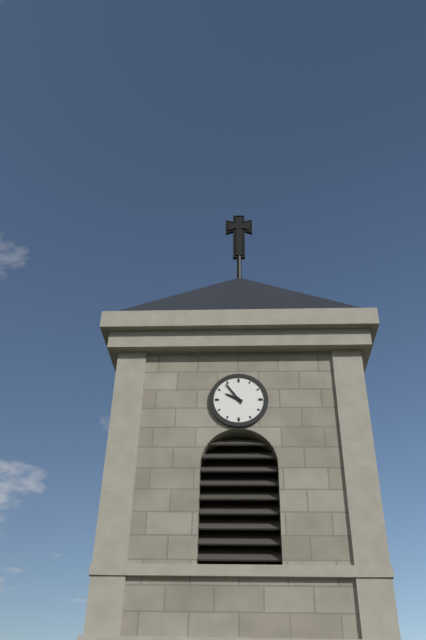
9h54
